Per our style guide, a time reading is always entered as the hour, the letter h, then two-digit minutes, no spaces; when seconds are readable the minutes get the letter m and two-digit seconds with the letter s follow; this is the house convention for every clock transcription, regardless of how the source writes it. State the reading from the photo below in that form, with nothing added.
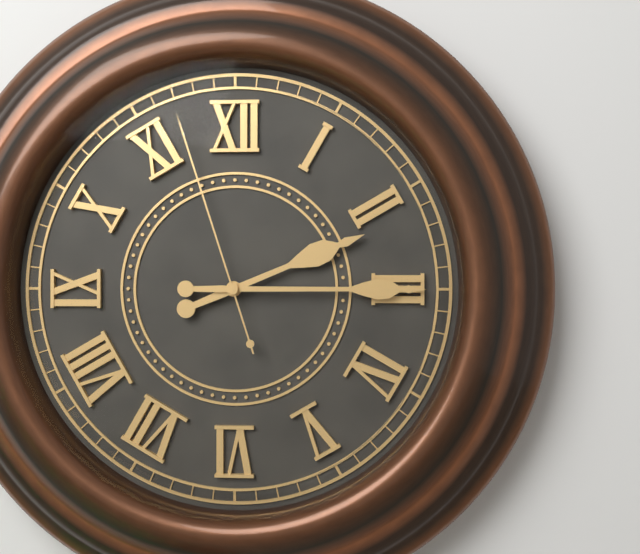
2h15m57s
